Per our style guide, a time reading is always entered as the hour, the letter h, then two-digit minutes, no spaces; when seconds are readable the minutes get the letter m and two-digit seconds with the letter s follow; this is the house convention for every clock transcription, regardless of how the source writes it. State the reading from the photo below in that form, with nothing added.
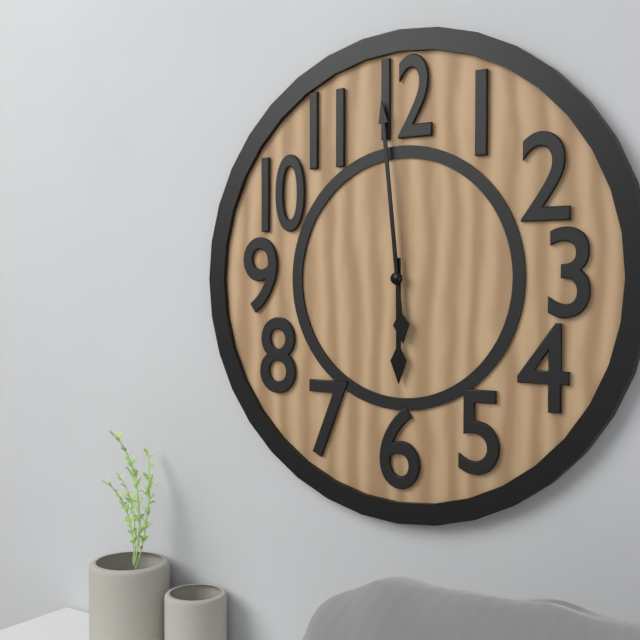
5h59
